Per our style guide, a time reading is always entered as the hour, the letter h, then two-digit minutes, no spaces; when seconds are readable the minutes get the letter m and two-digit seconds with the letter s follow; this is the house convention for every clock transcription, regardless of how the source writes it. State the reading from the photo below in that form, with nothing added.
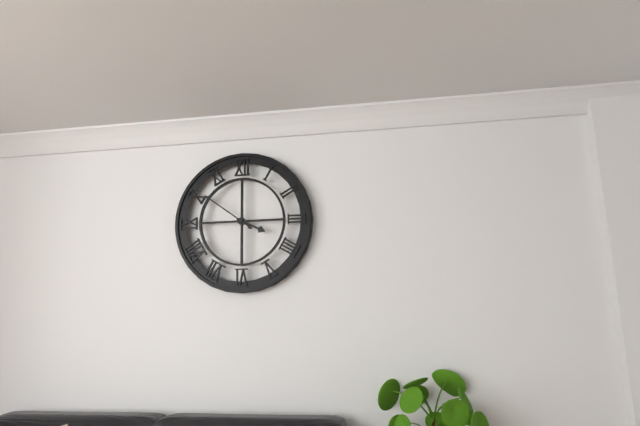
3h51
